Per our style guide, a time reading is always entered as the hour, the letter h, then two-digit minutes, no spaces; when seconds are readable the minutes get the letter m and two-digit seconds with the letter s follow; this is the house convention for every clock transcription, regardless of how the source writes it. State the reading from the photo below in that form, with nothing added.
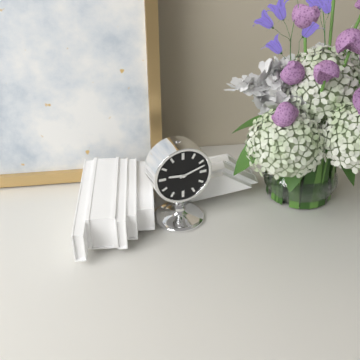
9h12
